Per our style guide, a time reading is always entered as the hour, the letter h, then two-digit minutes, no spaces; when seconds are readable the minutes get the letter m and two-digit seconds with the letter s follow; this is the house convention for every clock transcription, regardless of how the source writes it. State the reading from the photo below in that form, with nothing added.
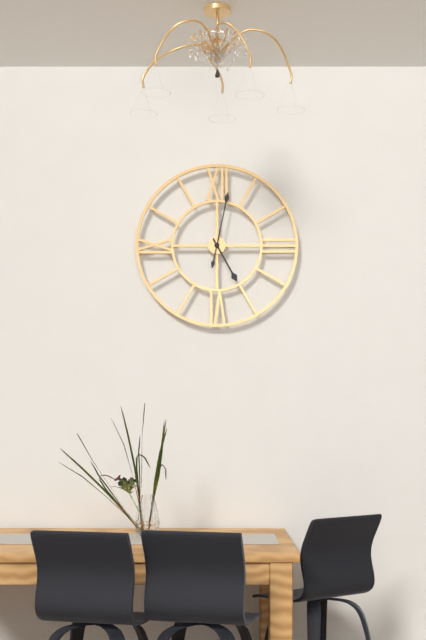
5h02
